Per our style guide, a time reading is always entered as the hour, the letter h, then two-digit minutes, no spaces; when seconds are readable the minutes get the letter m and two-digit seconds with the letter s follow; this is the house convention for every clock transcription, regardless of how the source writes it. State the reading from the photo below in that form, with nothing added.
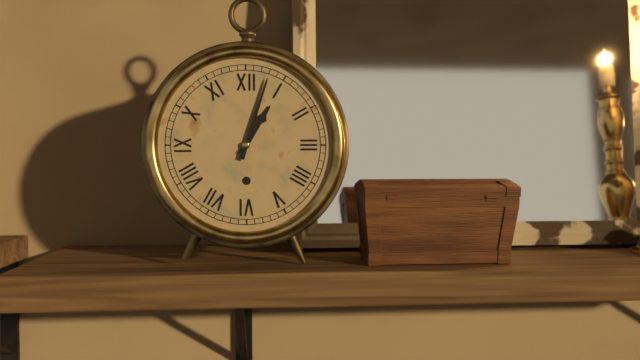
1h03
